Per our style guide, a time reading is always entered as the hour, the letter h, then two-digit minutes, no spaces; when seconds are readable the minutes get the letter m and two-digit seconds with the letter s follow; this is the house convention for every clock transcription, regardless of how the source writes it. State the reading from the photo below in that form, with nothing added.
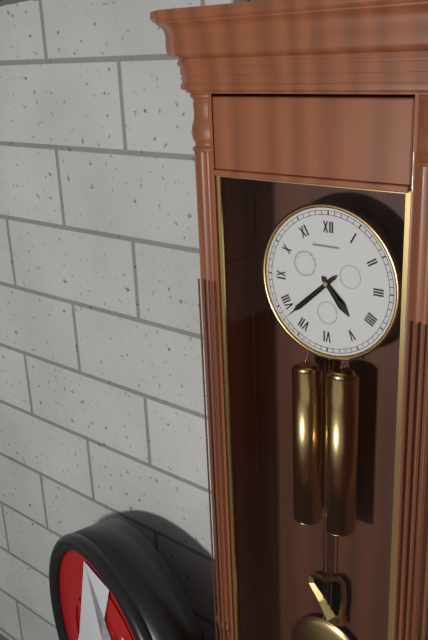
4h38
